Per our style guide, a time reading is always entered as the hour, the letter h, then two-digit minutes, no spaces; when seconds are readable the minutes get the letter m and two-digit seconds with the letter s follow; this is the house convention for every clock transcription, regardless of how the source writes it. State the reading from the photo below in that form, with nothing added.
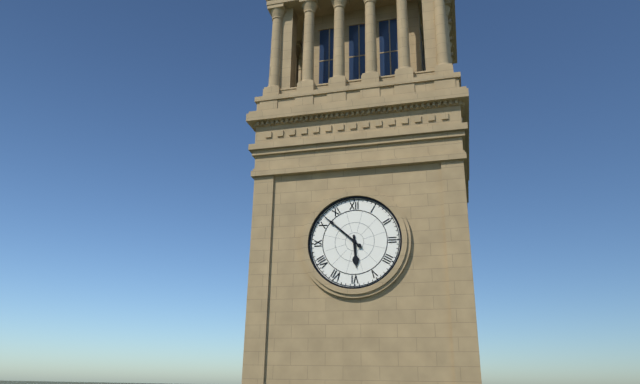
5h52
